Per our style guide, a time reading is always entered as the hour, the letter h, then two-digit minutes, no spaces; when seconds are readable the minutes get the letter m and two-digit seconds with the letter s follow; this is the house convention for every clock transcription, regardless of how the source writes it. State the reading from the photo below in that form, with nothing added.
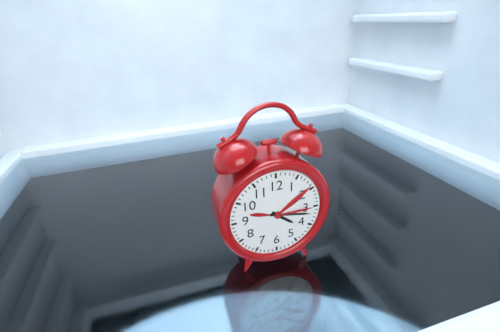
4h17
